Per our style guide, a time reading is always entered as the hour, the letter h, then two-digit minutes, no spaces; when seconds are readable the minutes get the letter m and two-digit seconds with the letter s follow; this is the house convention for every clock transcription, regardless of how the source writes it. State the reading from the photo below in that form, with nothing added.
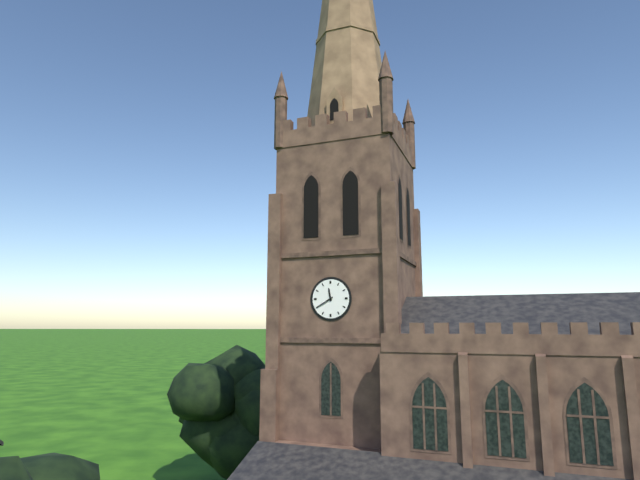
11h40
